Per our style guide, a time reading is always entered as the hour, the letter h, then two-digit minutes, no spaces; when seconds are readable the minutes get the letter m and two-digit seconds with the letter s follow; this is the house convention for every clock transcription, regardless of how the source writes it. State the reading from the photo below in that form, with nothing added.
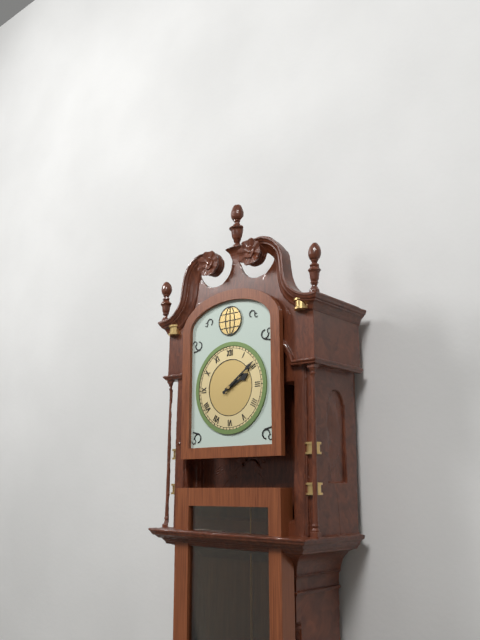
2h09
